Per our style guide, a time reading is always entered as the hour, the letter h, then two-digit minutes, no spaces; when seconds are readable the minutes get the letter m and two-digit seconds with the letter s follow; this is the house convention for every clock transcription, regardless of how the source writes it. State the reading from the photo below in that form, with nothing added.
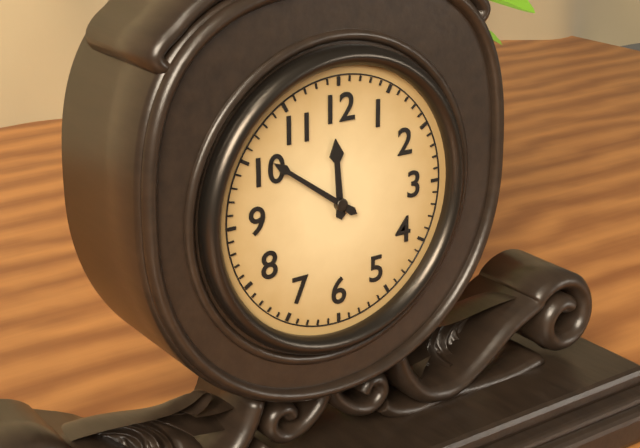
11h51
